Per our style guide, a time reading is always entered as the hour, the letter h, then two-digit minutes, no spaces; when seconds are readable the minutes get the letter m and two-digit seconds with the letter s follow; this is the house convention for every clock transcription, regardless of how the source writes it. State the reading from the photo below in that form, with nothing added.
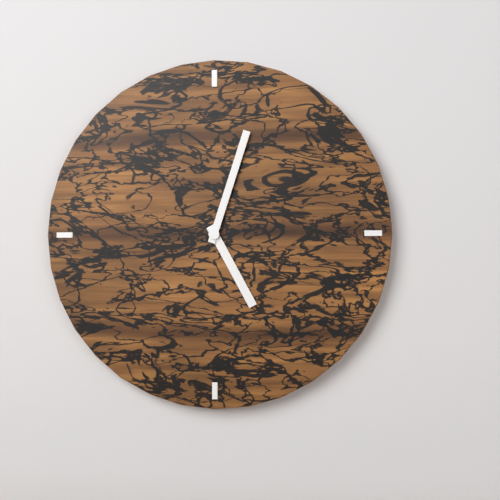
5h03
